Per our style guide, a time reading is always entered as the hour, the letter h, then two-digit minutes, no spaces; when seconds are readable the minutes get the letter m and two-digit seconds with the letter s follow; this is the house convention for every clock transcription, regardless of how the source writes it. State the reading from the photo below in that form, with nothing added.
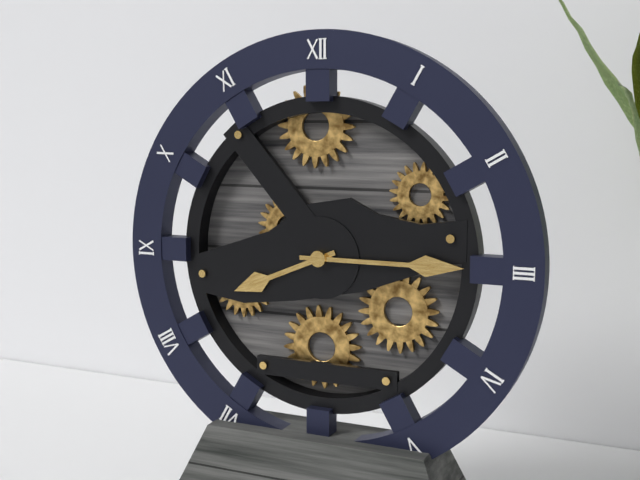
8h15
